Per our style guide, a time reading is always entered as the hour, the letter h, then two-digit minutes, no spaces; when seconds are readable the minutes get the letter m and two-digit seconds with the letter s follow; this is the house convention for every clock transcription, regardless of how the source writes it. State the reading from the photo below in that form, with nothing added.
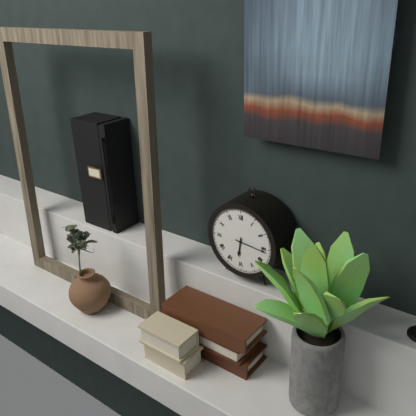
6h16
